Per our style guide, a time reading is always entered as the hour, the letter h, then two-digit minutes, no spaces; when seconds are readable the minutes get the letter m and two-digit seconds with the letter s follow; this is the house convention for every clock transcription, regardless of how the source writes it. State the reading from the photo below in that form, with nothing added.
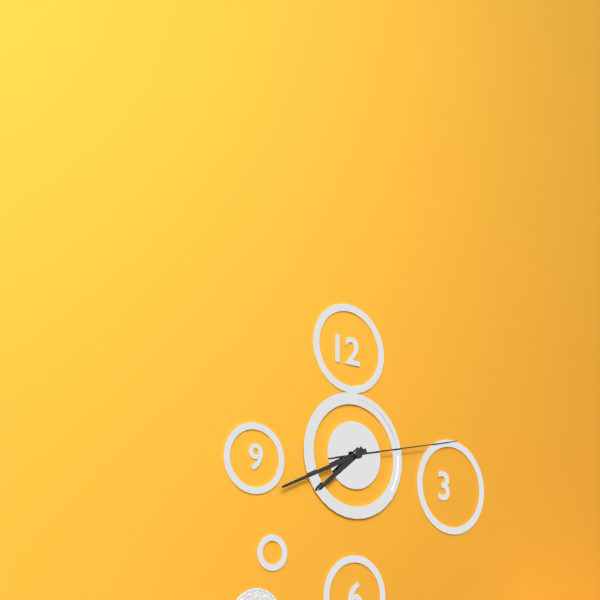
7h41m13s
